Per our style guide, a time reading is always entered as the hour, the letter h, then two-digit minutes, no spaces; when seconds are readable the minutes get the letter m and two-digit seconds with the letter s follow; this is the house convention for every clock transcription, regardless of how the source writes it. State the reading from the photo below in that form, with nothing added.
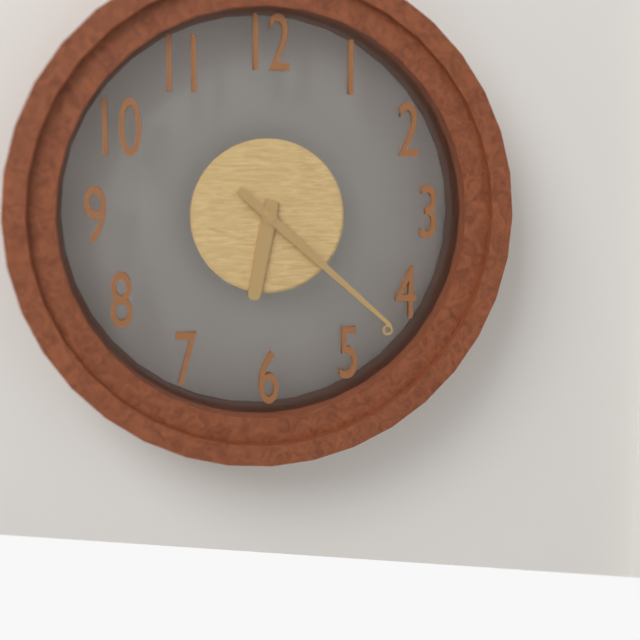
6h22
